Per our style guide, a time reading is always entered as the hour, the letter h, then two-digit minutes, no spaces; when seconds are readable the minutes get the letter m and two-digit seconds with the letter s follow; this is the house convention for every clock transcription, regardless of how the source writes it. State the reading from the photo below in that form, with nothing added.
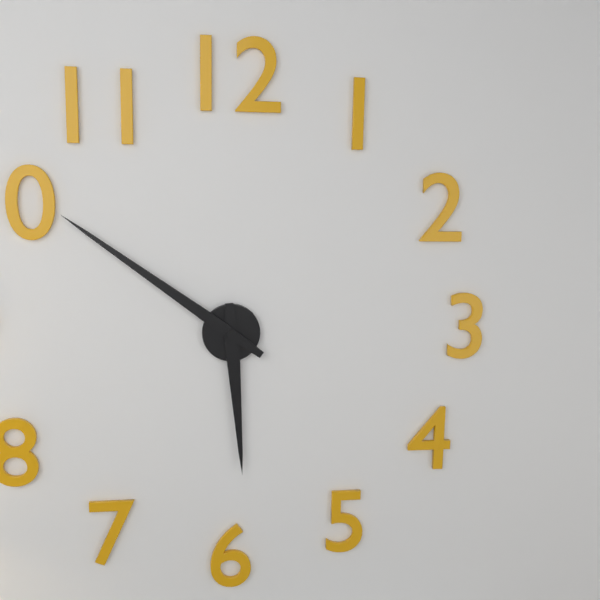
5h51
